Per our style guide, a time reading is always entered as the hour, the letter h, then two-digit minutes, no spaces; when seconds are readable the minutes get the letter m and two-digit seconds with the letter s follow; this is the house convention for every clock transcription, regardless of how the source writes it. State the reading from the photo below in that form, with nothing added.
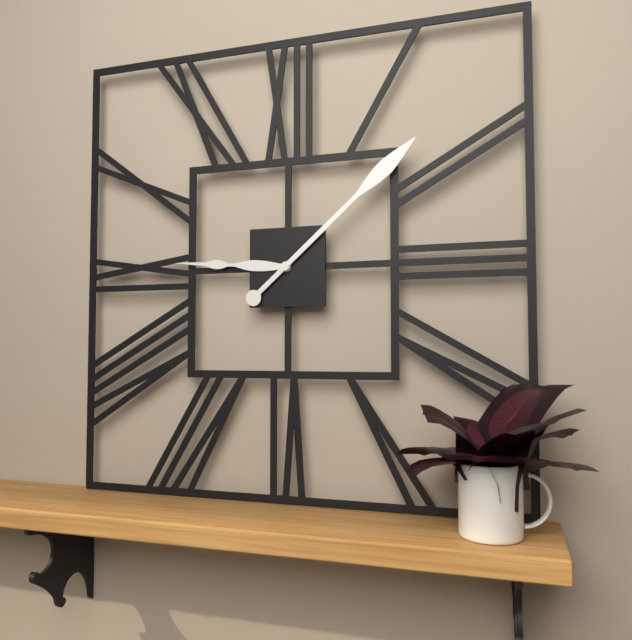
9h08
